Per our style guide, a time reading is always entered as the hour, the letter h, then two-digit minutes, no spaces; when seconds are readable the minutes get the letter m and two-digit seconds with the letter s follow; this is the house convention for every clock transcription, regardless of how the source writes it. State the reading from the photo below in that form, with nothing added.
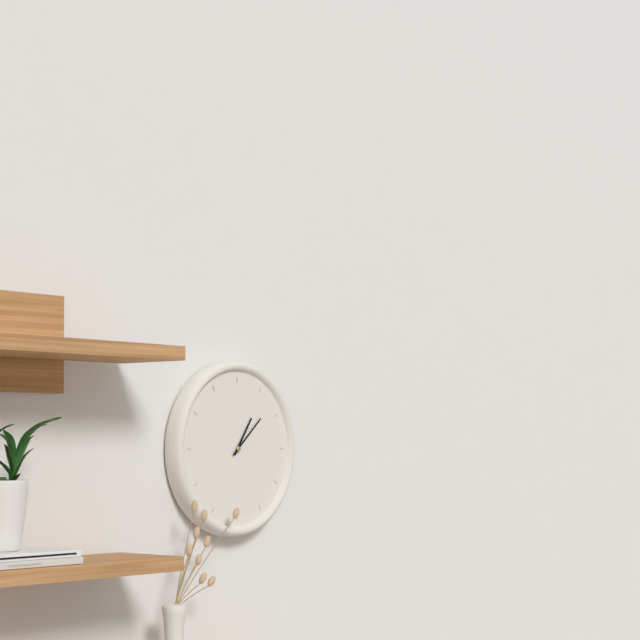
1h08
